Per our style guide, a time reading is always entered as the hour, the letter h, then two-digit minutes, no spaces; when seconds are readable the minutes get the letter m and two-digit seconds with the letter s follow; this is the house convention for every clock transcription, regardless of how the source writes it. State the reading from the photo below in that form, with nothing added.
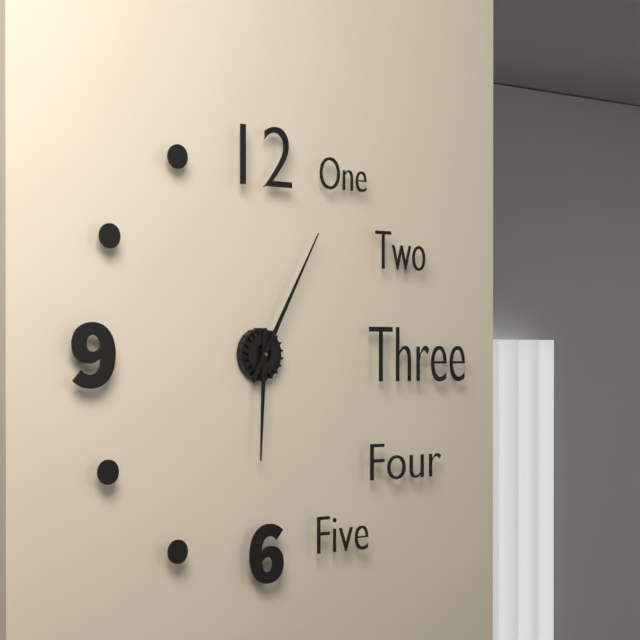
6h05
